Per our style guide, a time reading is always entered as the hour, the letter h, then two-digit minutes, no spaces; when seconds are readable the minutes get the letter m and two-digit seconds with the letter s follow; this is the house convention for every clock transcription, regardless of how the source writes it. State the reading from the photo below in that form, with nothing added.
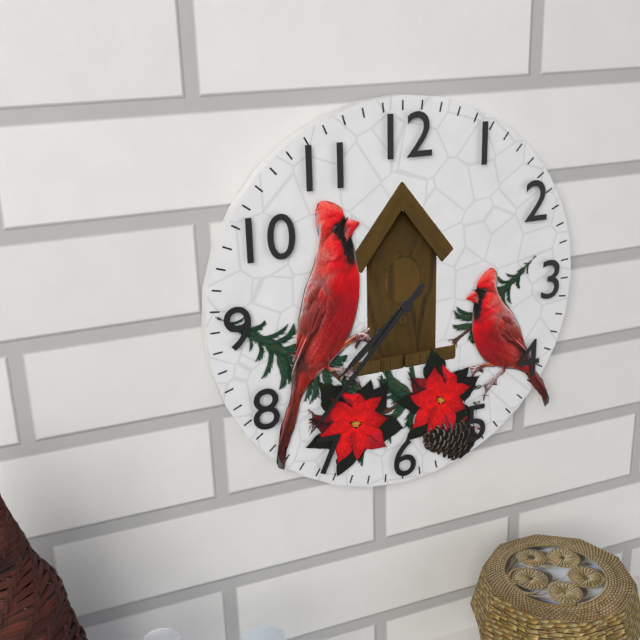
7h37
